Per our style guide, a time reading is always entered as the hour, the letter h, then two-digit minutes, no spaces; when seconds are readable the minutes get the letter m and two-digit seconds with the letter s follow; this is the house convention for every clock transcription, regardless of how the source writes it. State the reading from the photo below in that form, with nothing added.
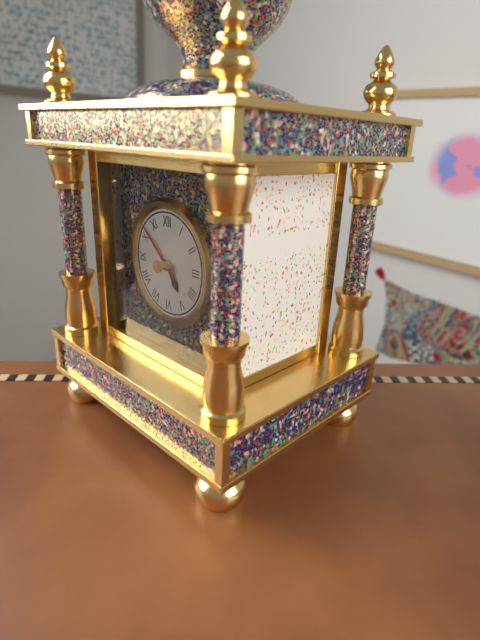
4h52
